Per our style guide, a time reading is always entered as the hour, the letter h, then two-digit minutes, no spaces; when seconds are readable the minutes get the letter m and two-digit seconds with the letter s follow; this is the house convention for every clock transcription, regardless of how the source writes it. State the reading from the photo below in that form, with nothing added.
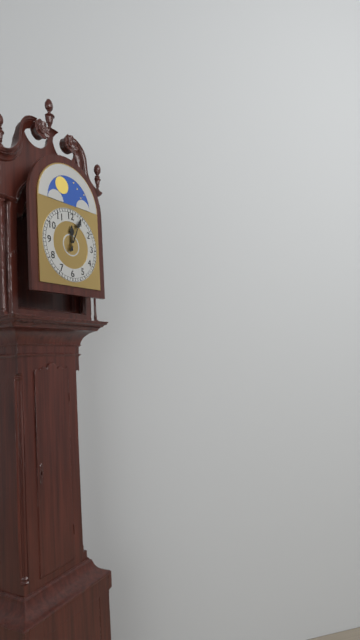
12h04
